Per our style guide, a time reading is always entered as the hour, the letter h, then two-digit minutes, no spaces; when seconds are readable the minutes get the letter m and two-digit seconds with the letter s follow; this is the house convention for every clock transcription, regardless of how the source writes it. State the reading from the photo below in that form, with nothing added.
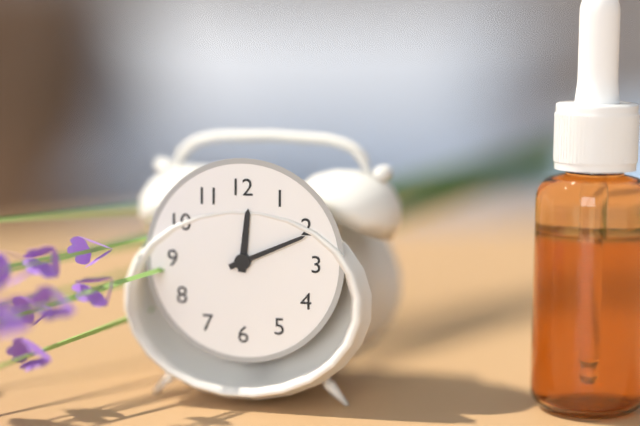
12h11
